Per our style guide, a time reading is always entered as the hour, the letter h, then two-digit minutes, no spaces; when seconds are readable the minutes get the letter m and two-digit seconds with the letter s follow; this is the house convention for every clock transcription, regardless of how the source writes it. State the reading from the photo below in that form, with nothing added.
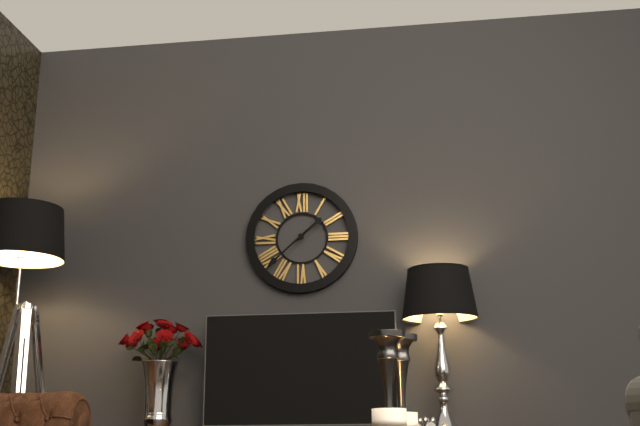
1h38
